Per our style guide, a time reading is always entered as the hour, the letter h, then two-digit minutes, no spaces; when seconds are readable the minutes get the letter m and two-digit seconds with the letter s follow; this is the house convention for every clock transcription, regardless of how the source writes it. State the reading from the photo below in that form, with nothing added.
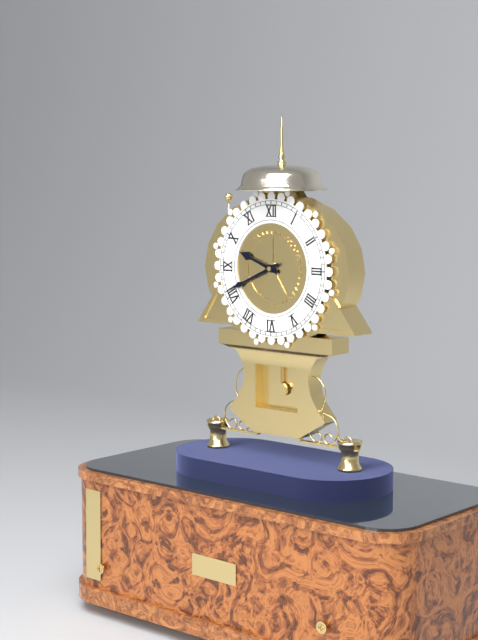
9h41
